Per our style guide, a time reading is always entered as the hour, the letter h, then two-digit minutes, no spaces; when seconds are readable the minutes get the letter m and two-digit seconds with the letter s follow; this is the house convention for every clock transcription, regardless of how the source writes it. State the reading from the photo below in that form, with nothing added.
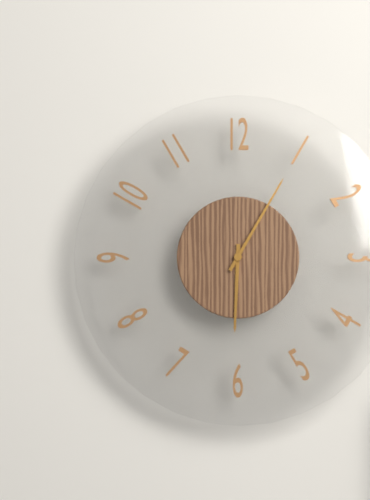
6h05
